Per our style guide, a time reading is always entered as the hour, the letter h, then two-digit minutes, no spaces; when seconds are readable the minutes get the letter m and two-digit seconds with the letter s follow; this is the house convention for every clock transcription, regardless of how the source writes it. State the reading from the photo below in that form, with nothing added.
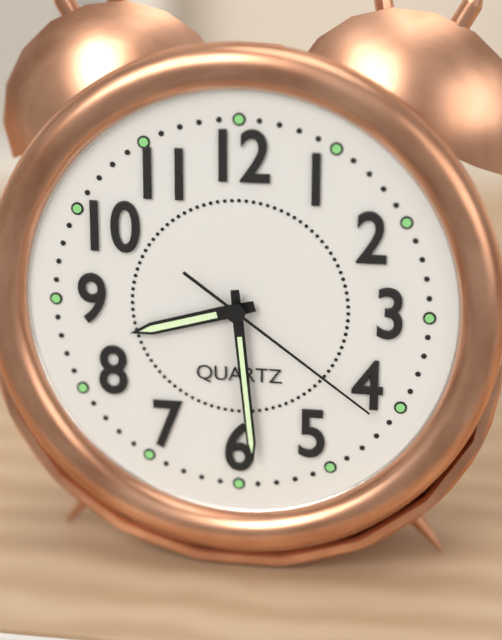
8h29m21s
